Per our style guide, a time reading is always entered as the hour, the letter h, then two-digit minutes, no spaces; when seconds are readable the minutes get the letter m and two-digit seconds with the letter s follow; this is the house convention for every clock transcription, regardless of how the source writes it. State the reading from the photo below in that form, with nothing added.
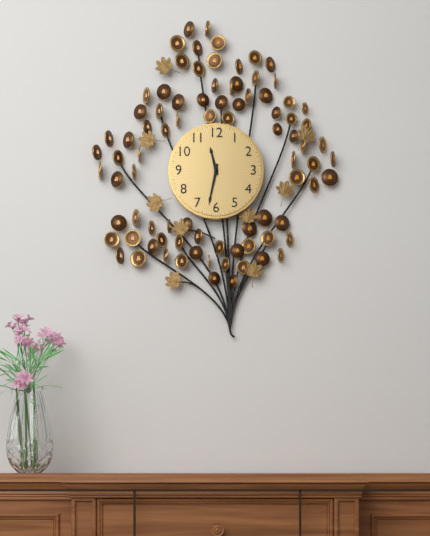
11h32
